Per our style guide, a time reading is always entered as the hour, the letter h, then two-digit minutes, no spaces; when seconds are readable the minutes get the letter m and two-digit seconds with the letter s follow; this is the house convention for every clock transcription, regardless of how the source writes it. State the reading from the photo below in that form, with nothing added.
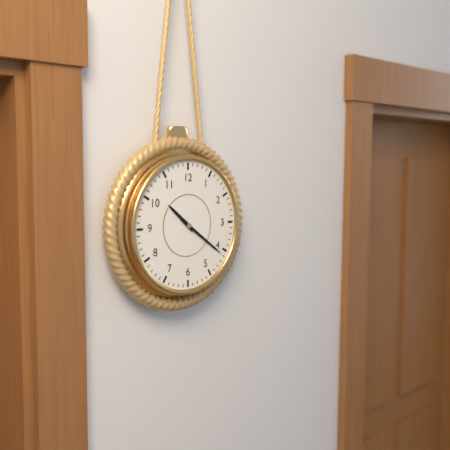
10h21
